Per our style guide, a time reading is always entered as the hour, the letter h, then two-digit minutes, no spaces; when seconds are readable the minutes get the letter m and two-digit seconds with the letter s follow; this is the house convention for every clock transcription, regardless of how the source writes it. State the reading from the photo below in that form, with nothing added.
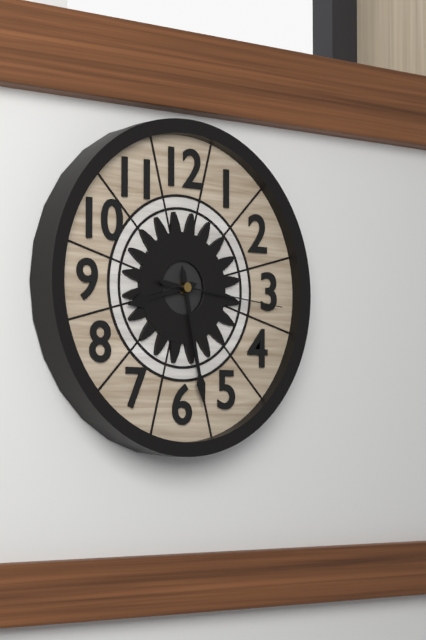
8h28m16s
